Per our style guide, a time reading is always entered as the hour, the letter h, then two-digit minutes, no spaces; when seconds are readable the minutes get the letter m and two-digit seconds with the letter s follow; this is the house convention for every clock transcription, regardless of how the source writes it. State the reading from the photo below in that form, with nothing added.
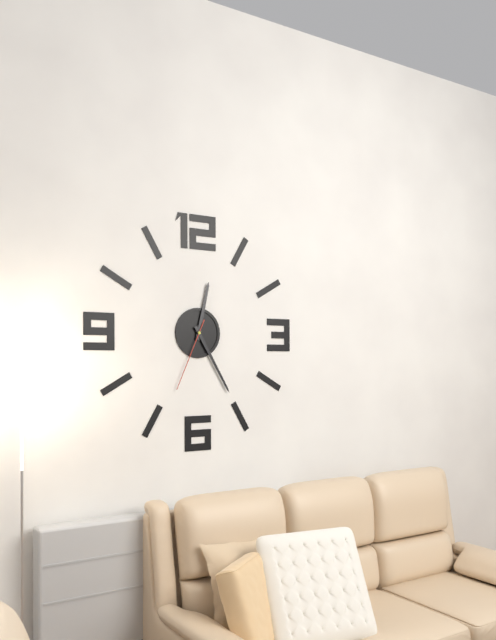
12h25m34s
